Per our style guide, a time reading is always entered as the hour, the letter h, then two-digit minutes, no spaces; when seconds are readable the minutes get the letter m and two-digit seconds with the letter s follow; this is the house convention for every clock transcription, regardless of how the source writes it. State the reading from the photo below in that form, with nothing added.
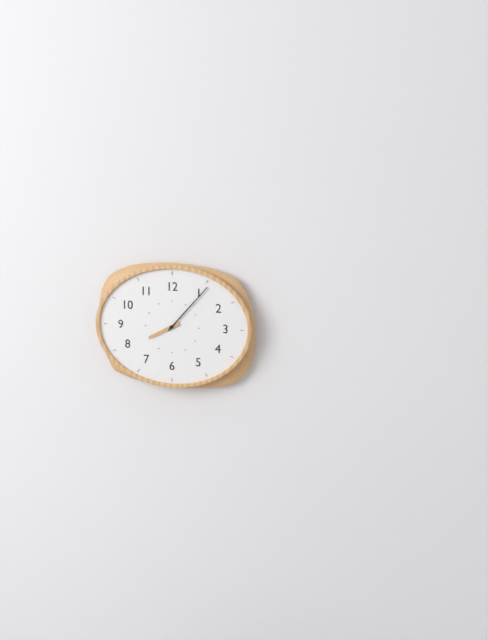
8h07
